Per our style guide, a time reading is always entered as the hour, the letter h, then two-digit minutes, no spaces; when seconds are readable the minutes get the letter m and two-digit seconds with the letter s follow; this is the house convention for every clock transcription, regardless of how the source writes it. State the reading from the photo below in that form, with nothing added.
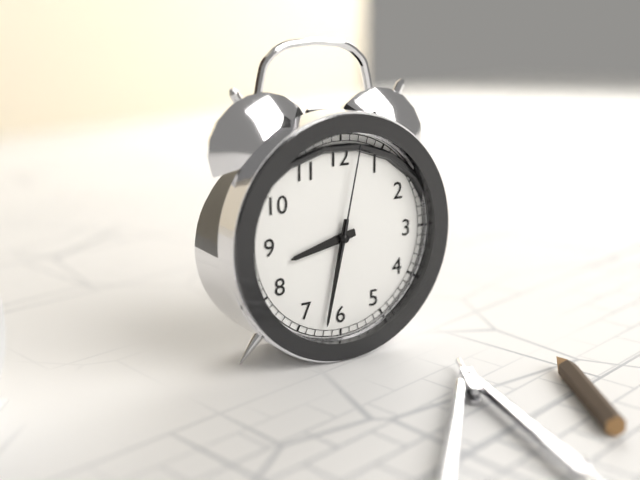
8h32m02s
